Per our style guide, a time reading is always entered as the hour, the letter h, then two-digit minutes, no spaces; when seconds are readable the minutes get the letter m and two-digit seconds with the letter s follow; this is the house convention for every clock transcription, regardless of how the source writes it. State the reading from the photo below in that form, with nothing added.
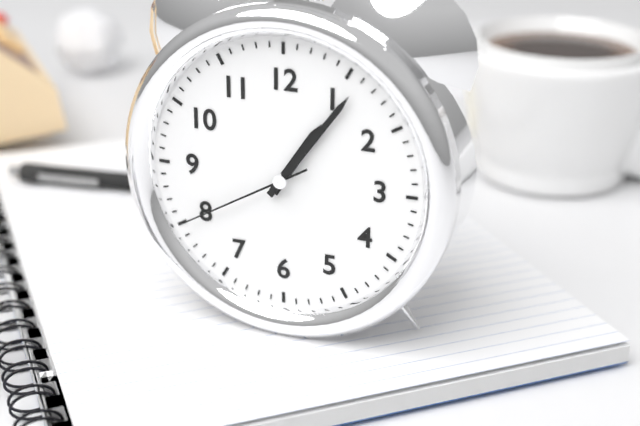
1h06m40s
